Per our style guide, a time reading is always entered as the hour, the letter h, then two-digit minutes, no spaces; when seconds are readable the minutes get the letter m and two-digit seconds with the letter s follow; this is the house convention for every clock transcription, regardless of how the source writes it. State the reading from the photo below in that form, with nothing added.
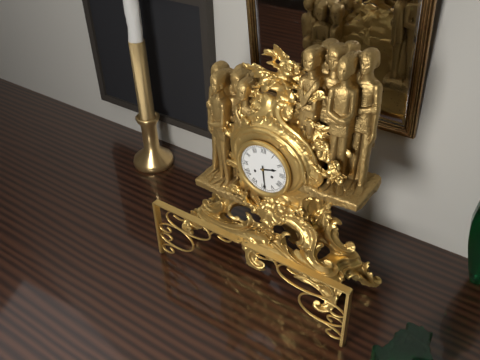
2h29
